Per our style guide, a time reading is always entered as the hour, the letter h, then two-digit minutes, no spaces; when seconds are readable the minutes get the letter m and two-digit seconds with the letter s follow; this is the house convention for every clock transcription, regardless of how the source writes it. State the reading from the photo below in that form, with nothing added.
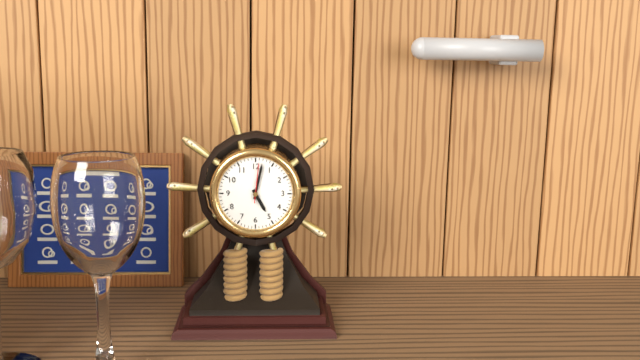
5h02
